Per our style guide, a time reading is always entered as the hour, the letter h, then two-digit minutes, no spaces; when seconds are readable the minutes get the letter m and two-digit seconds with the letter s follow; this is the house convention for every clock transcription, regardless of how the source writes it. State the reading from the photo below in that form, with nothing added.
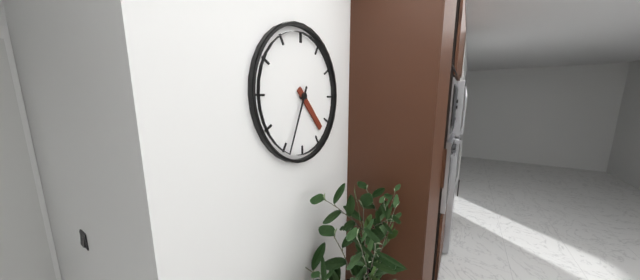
4h34
